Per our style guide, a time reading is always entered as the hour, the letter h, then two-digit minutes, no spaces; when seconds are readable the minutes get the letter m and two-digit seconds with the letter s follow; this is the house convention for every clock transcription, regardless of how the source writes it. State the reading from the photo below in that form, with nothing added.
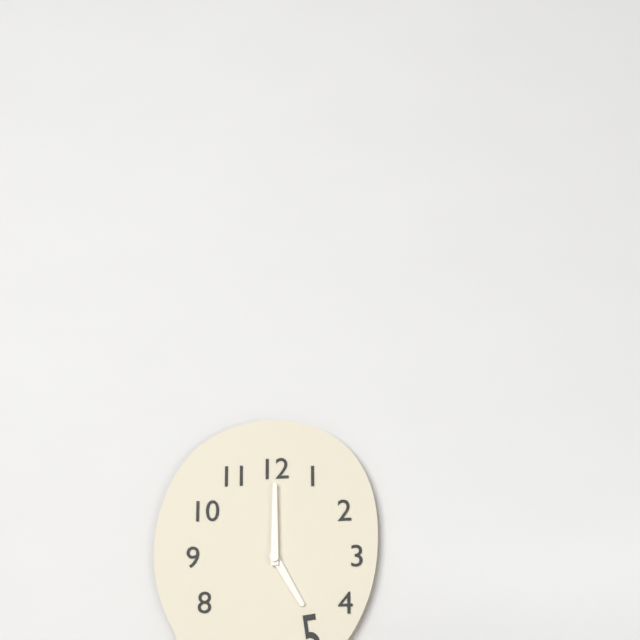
5h00
